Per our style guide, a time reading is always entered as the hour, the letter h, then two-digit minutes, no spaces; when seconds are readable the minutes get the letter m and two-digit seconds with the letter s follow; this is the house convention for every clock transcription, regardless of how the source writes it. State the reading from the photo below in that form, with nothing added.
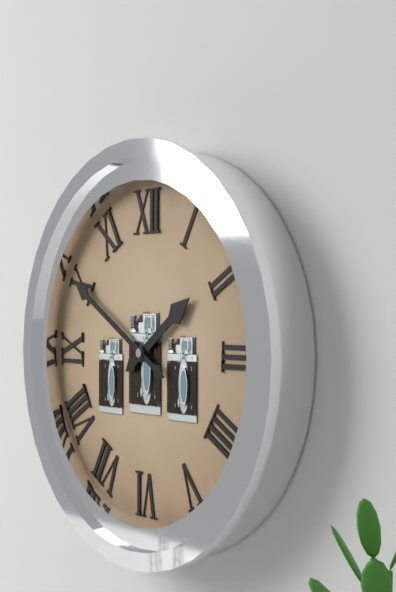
1h50
